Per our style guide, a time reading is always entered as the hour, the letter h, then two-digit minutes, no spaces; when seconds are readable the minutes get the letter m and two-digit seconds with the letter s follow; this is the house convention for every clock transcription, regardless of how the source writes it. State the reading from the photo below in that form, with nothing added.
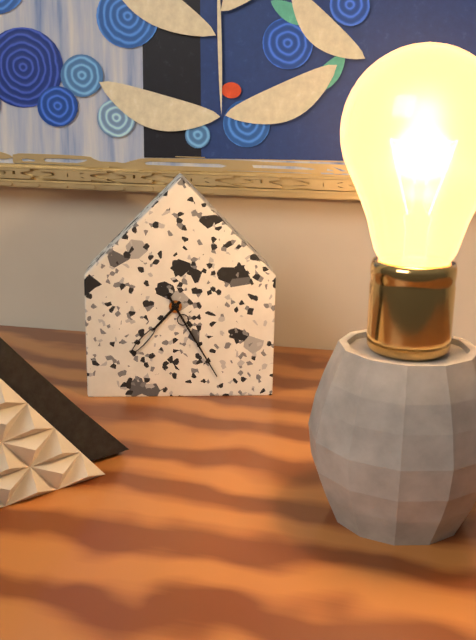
7h25
